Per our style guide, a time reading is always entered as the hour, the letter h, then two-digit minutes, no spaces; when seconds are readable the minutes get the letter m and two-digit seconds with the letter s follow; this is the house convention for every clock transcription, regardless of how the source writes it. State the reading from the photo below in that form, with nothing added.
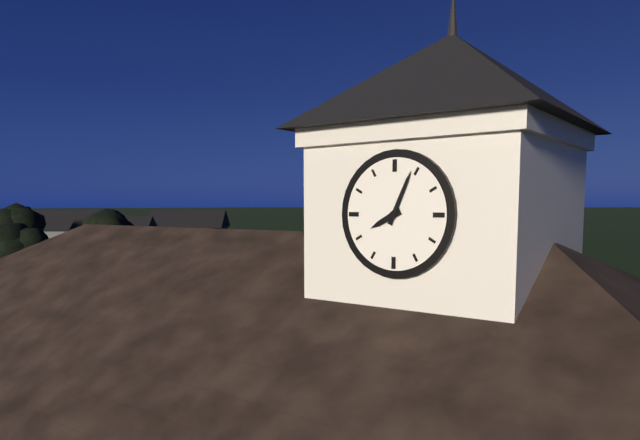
8h04
